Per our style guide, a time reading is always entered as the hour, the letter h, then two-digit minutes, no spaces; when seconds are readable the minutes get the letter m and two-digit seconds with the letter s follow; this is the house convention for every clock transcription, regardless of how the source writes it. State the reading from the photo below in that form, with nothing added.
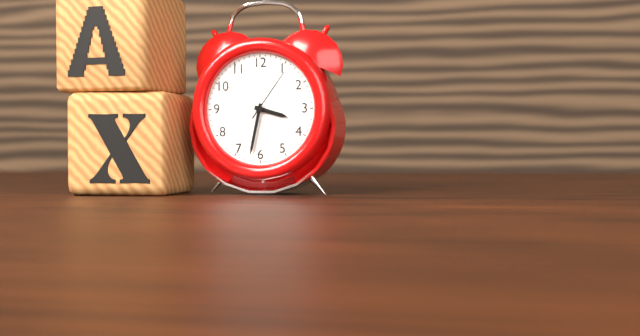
3h32m06s
